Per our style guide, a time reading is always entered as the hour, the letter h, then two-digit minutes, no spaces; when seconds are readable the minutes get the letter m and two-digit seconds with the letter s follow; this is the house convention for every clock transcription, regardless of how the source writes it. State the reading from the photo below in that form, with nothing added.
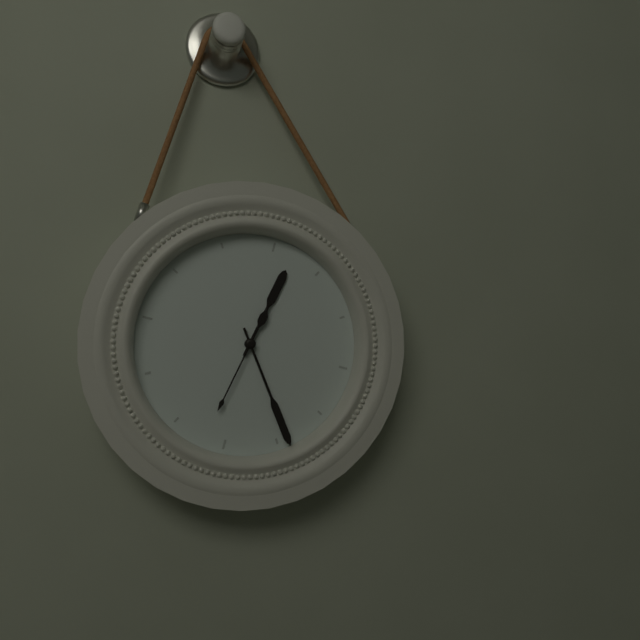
12h24m32s
